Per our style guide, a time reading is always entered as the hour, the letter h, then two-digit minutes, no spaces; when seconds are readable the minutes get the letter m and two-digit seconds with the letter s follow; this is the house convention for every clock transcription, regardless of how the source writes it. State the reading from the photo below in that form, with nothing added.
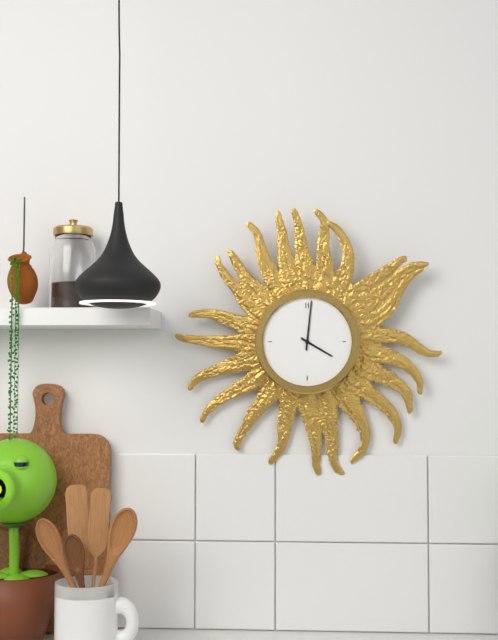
4h01
